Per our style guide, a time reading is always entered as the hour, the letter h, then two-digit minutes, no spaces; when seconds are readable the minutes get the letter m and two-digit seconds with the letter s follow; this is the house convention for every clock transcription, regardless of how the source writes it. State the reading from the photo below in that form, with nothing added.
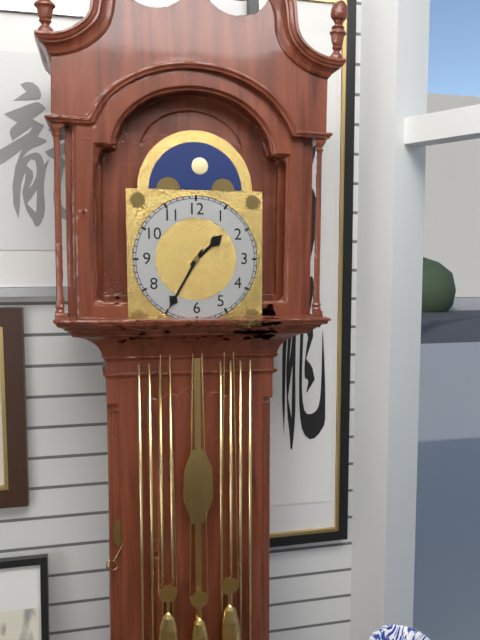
1h35
